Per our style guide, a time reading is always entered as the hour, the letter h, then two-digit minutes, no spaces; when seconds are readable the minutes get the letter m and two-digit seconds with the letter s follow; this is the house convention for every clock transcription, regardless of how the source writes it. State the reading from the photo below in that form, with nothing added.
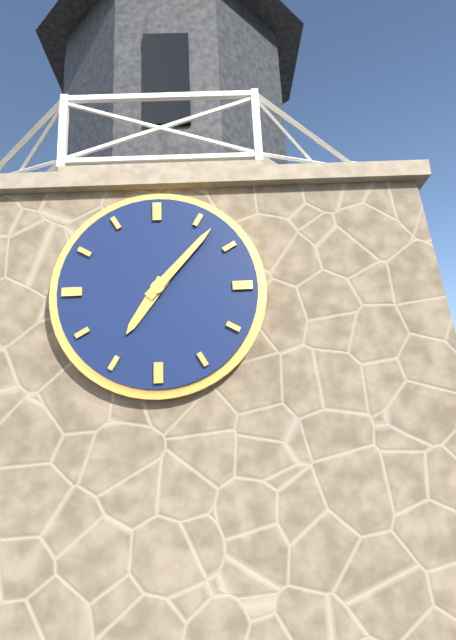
7h07
